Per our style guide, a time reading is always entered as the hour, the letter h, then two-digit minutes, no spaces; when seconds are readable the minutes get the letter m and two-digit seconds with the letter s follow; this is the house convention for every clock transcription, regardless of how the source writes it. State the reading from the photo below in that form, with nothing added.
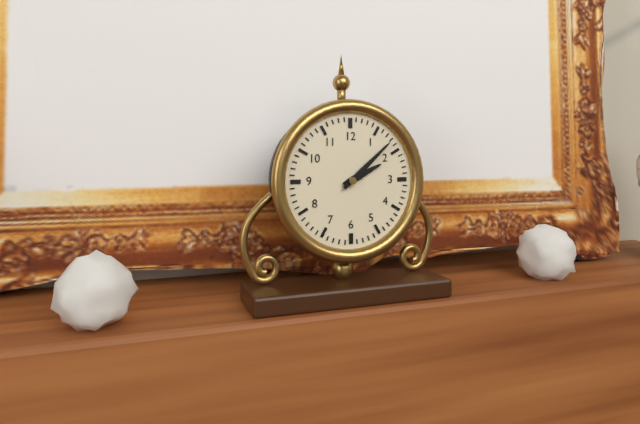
2h08
